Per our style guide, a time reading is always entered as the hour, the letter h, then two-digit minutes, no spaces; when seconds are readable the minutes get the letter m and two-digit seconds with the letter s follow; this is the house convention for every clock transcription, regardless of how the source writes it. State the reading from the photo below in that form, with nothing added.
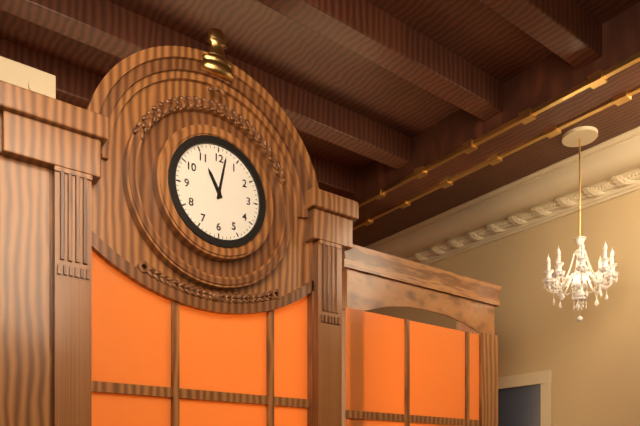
11h02
